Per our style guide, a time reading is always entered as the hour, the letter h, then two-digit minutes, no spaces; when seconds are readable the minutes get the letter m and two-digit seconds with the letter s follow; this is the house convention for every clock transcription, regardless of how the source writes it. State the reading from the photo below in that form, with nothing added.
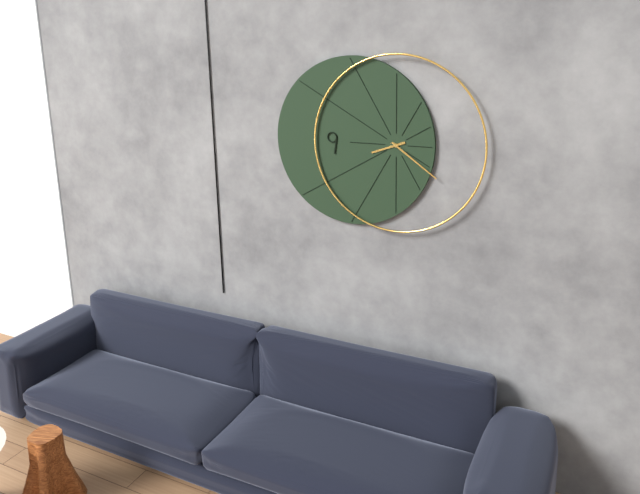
8h21
